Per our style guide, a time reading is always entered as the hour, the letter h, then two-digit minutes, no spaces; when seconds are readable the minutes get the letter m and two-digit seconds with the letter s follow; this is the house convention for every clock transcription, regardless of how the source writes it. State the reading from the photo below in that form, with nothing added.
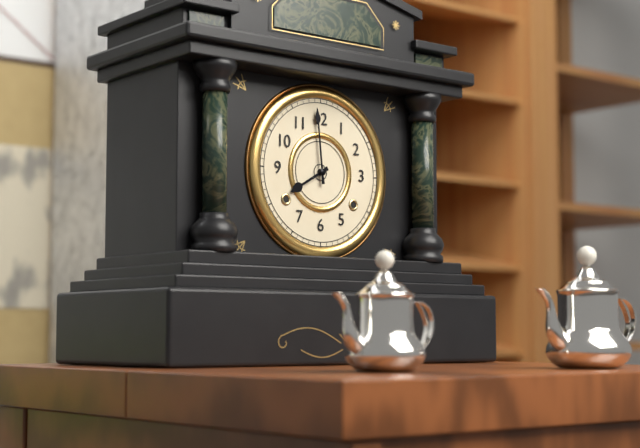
7h59
